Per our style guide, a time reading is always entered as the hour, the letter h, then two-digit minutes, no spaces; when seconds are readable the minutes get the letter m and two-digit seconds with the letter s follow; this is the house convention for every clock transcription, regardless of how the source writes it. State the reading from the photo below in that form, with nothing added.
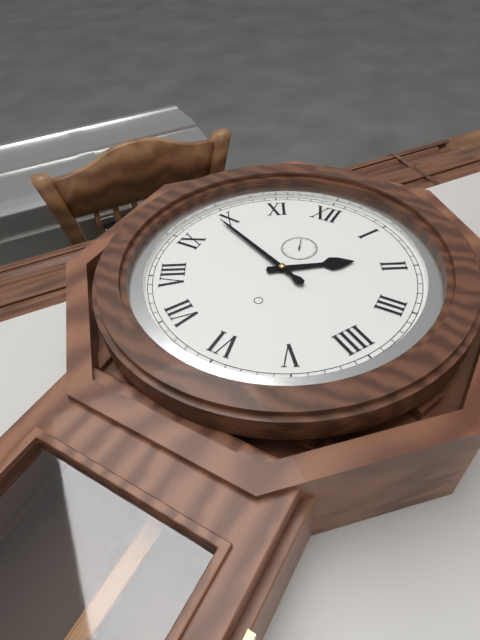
1h49
